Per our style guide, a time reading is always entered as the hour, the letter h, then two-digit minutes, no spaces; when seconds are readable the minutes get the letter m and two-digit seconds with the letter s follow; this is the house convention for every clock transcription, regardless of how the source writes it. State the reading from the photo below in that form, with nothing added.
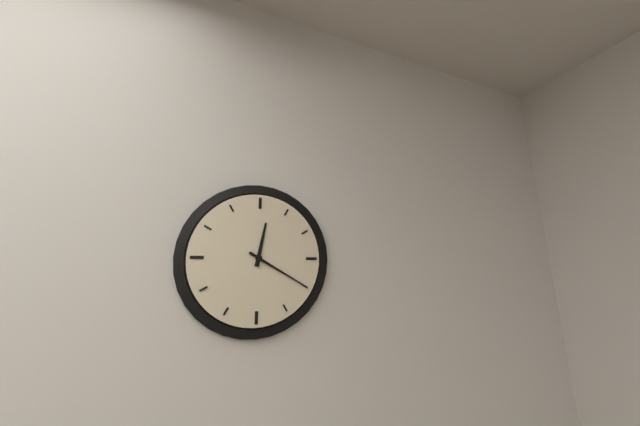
12h20
